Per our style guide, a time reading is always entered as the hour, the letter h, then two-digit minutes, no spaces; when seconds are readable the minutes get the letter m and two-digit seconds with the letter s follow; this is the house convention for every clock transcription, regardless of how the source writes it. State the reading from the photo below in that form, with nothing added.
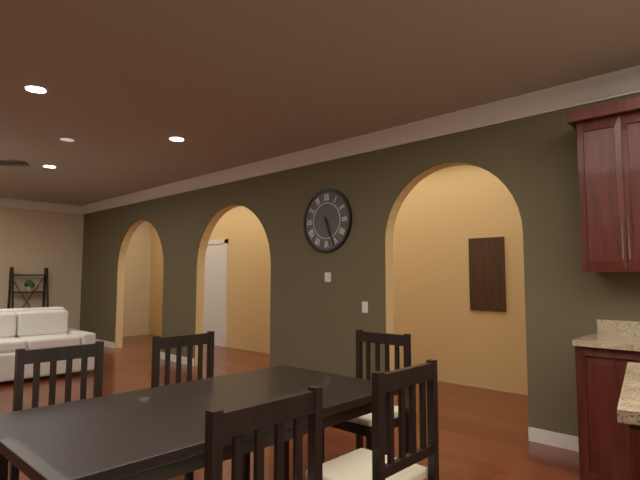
5h26
